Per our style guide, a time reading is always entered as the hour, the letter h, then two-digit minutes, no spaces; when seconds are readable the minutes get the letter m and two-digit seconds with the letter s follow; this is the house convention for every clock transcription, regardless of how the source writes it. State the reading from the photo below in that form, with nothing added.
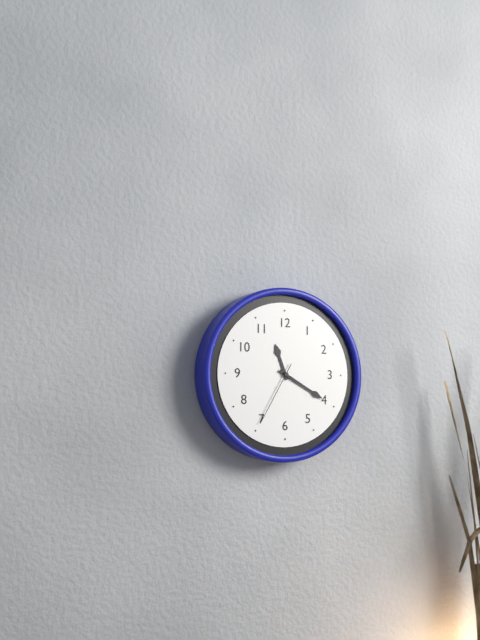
11h20m35s
